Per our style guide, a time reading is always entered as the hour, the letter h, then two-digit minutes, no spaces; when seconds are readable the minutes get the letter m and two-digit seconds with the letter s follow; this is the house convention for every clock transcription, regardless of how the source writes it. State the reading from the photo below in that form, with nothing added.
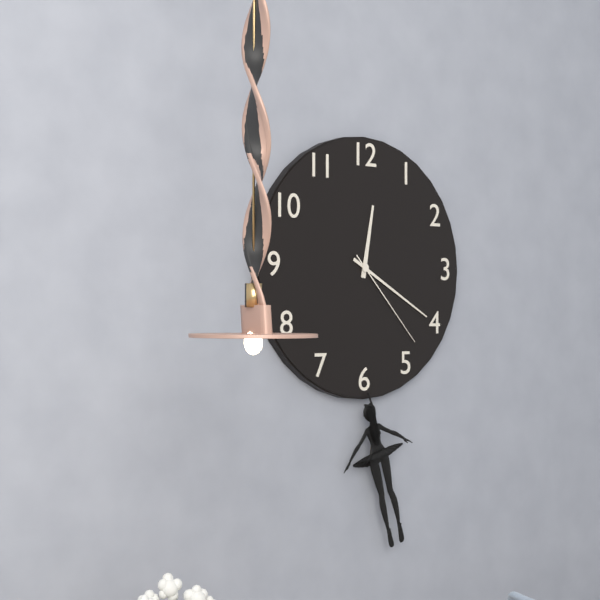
12h20m23s
